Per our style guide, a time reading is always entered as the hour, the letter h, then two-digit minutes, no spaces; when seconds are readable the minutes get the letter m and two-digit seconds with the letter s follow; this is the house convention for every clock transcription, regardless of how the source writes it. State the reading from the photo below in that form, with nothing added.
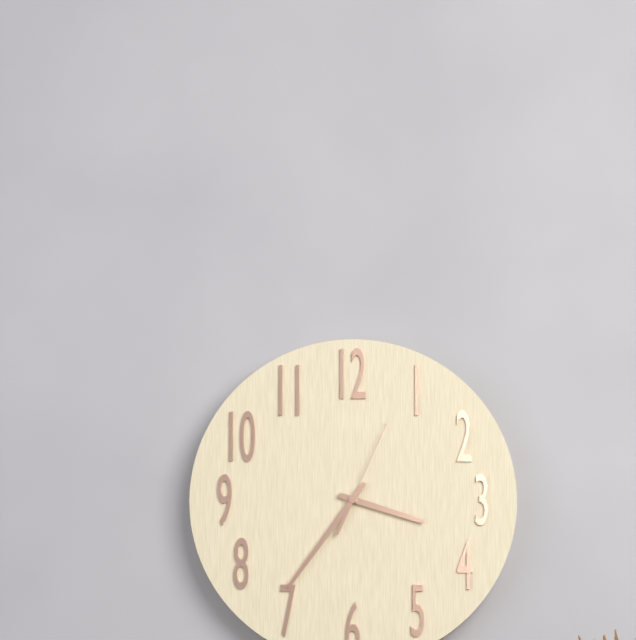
3h36m04s
